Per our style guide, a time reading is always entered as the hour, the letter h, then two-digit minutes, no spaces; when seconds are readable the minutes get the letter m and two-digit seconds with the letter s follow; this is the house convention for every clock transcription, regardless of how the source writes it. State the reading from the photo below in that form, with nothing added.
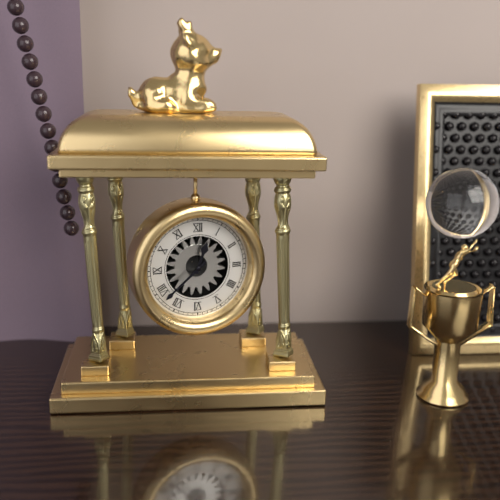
12h38
